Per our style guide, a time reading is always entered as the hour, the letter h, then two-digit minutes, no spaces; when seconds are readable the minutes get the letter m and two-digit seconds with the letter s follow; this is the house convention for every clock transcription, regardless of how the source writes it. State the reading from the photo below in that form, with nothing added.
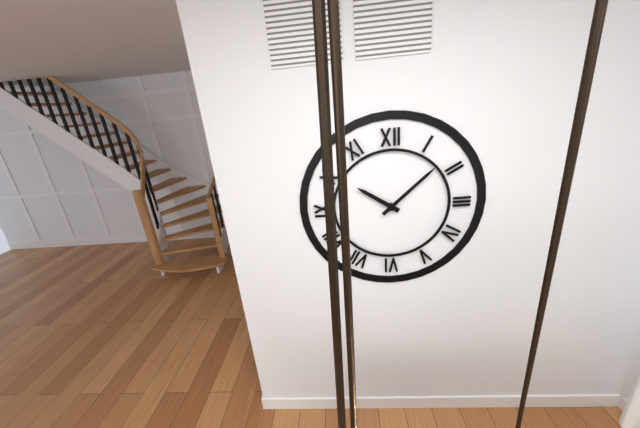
10h08
